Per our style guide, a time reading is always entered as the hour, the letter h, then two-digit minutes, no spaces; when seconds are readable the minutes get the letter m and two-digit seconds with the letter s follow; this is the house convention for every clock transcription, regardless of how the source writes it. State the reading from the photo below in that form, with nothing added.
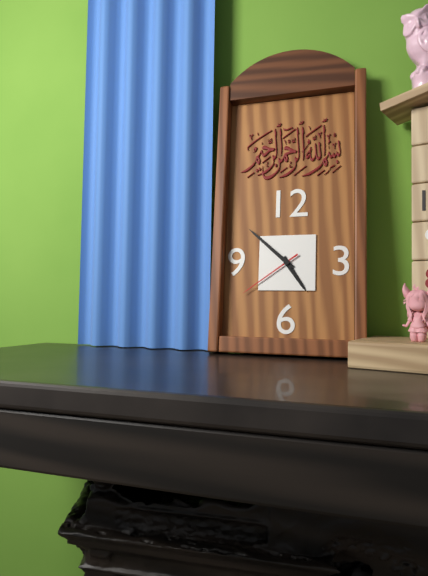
4h52m39s
